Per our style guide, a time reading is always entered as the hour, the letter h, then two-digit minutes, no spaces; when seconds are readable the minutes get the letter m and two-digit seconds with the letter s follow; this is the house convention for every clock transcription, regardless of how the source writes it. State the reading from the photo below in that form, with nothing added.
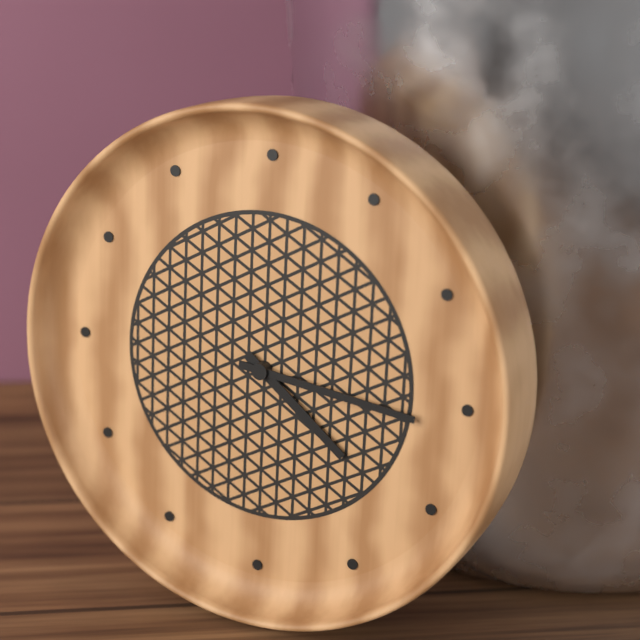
4h16
